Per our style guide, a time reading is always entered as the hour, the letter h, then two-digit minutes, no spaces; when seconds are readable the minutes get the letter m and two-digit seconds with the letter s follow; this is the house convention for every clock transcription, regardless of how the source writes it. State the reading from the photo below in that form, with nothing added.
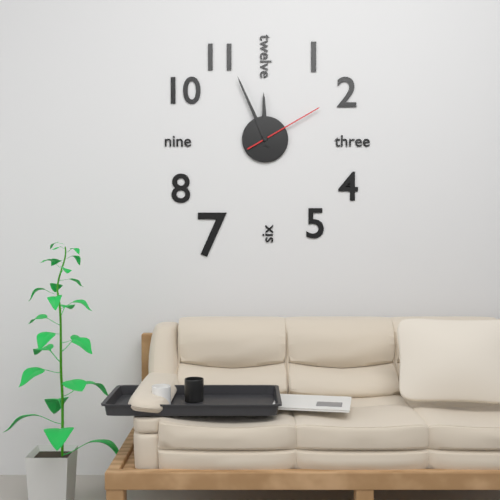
11h56m10s
